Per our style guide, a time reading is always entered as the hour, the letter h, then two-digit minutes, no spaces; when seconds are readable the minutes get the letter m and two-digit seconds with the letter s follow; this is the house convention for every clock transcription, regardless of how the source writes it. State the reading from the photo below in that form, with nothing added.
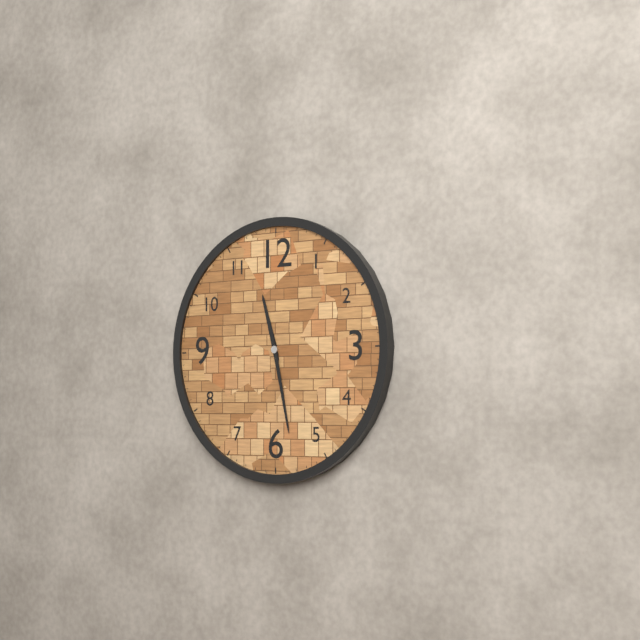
11h28
